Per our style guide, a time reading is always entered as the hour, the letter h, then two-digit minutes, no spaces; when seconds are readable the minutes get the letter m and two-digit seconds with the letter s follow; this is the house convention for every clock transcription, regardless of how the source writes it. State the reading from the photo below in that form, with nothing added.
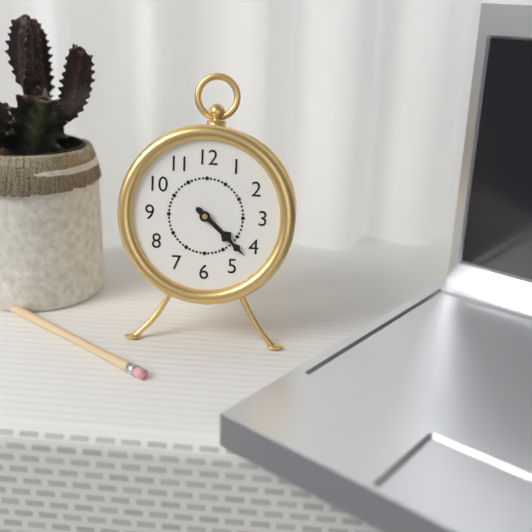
4h22
